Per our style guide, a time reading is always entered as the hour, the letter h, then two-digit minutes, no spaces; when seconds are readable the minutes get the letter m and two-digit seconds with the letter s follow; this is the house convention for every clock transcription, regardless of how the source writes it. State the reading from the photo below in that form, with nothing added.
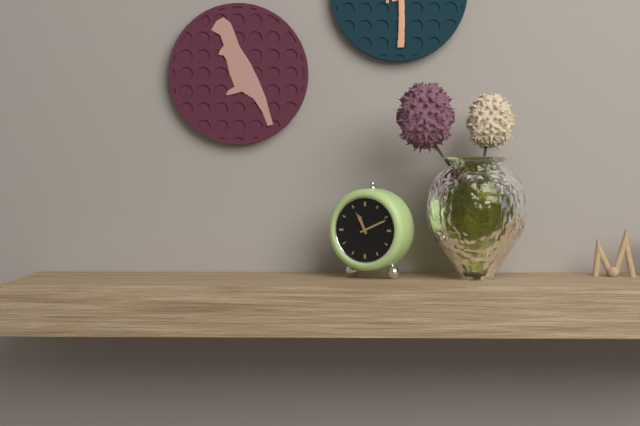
11h11
